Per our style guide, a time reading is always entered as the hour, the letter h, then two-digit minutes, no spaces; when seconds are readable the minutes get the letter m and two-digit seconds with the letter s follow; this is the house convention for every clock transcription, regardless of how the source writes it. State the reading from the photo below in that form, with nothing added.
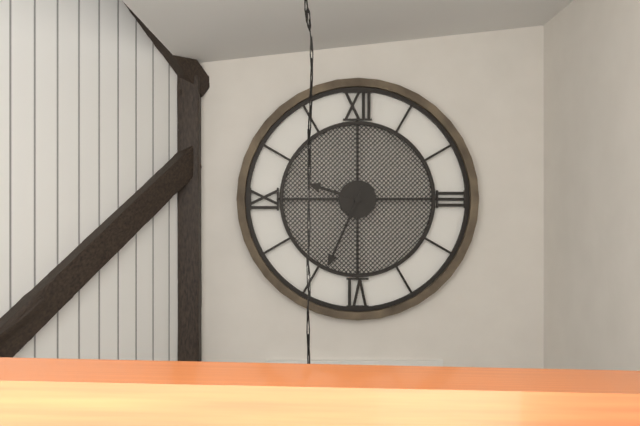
9h34
